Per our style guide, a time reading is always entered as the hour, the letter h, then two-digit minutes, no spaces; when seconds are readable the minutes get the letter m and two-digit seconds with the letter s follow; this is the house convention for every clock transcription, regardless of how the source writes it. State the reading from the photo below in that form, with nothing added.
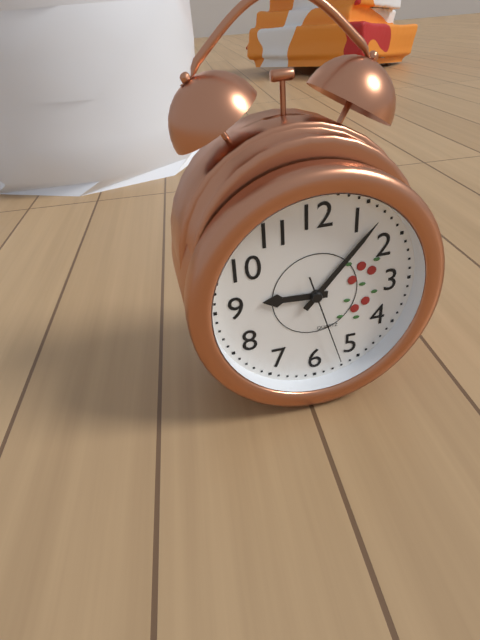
9h07m27s
